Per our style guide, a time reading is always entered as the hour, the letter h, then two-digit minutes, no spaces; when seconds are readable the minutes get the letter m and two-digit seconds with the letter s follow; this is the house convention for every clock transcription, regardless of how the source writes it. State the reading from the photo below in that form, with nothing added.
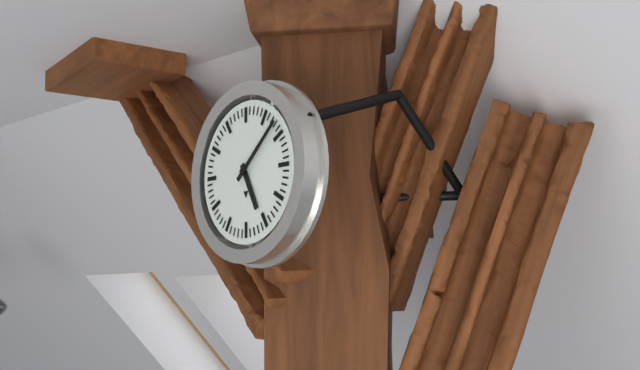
5h08
